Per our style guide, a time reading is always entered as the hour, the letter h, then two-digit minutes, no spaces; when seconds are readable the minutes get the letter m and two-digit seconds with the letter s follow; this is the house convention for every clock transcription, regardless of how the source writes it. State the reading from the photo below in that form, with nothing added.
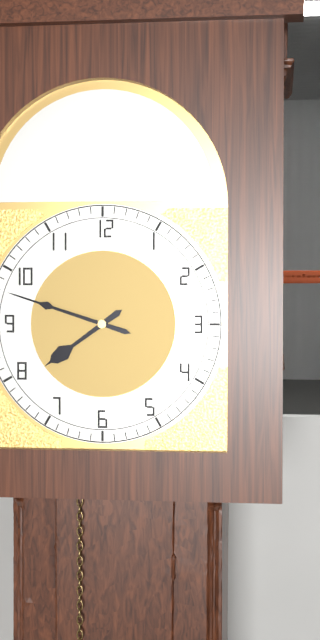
7h48
